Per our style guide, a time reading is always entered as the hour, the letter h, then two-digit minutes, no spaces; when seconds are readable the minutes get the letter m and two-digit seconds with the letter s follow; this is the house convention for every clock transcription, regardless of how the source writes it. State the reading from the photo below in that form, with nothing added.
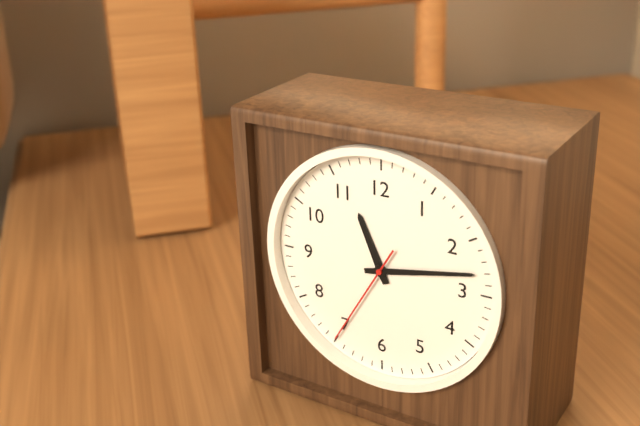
11h13m35s
